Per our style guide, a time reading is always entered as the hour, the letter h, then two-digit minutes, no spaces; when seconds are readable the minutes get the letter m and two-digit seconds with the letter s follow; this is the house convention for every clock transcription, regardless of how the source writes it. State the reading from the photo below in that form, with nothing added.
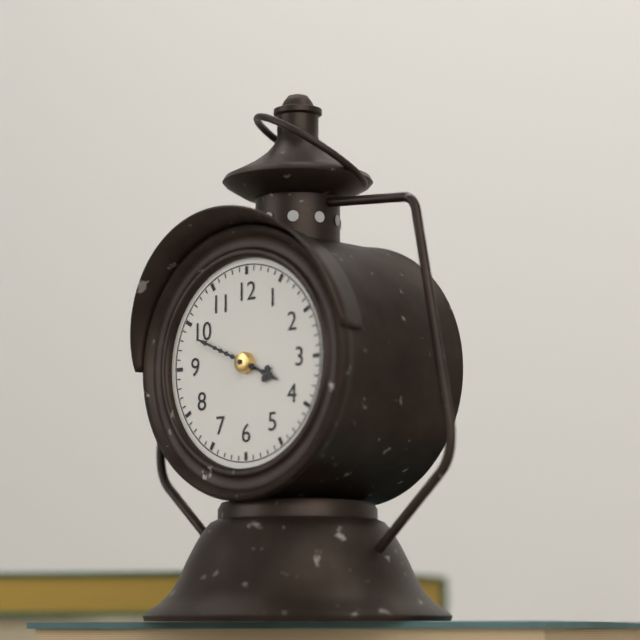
3h49
